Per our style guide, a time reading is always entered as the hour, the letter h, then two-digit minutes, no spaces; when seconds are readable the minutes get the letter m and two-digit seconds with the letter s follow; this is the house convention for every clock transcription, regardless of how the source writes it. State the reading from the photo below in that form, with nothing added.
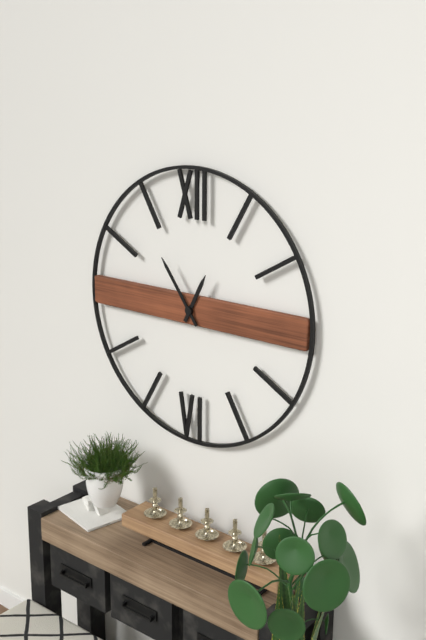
12h54
